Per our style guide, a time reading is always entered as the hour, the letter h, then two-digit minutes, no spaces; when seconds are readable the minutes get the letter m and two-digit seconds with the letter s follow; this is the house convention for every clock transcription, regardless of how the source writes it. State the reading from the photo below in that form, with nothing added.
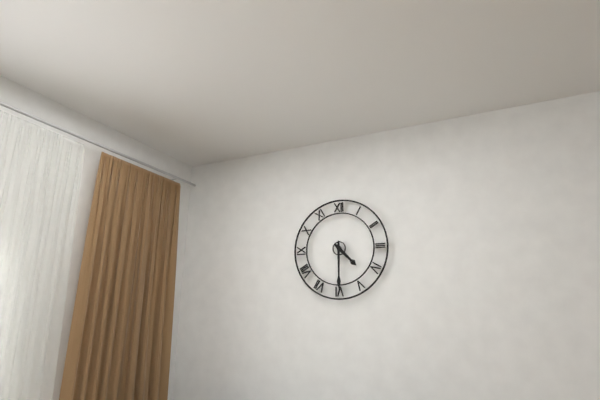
4h30
